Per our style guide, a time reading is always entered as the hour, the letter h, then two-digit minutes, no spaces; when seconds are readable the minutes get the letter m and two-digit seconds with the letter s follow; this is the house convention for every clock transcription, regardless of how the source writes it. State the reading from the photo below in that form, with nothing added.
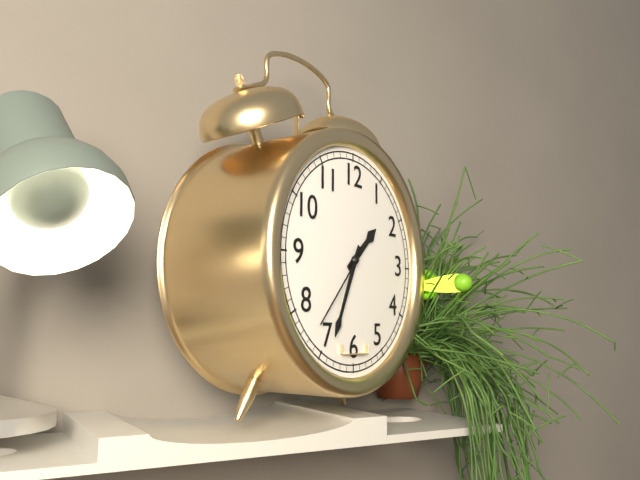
1h34m37s
